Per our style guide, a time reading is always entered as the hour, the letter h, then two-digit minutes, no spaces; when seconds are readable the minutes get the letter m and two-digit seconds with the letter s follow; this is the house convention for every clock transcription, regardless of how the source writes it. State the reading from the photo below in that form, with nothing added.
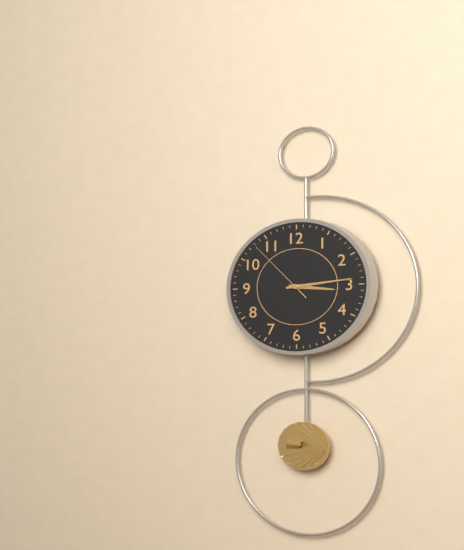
3h14m53s
